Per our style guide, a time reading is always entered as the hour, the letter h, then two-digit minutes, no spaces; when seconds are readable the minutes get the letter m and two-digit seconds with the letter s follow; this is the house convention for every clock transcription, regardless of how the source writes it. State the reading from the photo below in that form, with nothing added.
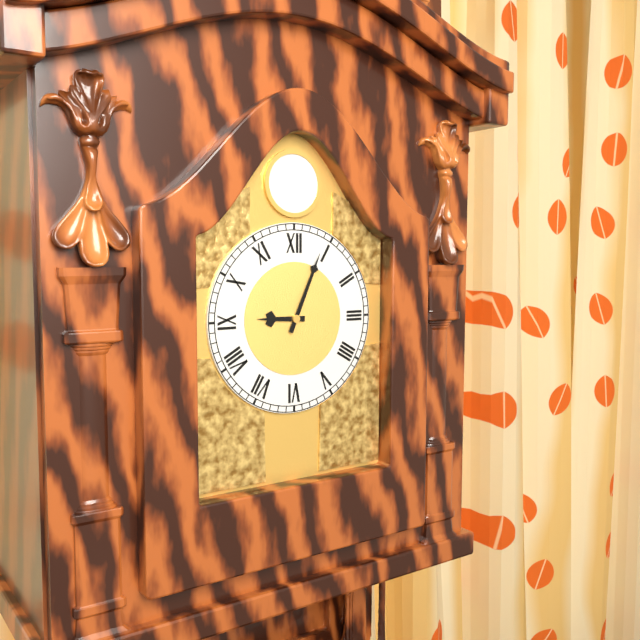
9h04
